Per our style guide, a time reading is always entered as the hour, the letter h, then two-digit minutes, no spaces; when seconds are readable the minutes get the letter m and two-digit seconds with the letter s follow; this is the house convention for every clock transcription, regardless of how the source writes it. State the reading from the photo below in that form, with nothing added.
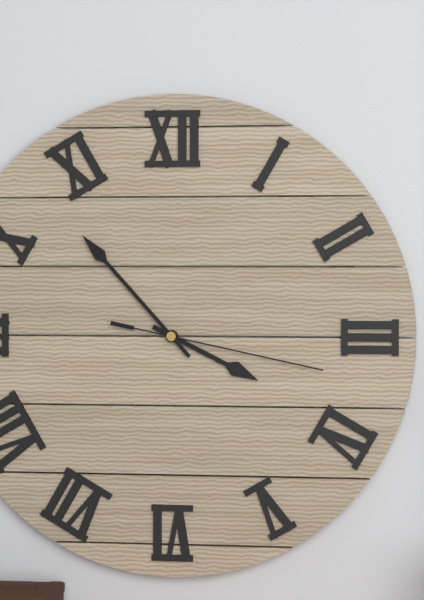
3h53m17s
